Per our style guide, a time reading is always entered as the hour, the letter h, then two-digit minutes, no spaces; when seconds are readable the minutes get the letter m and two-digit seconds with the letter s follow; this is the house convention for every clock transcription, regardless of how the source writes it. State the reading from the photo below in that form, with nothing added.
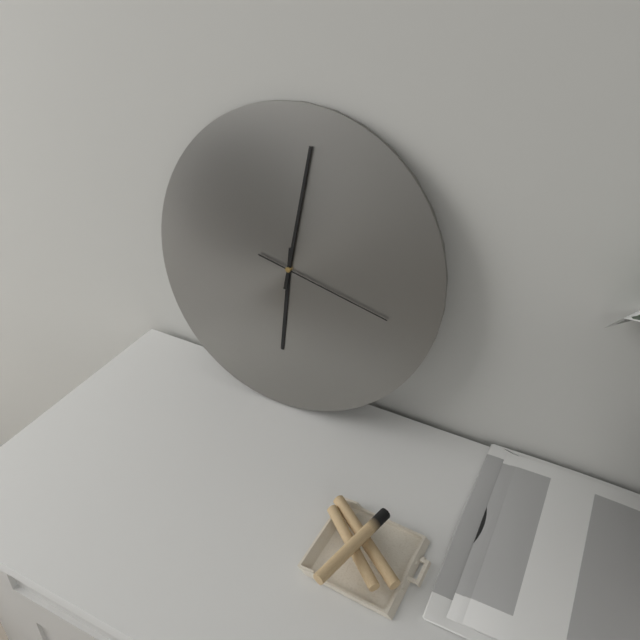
6h01m17s
